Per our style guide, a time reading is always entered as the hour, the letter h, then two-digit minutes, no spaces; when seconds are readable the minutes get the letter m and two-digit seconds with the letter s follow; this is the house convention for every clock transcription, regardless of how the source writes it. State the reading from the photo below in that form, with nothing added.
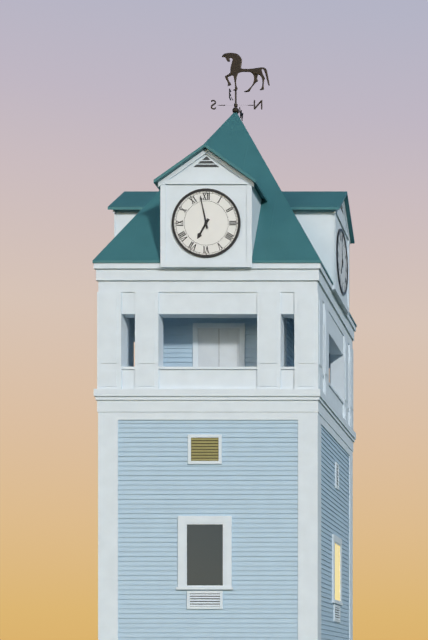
6h58
